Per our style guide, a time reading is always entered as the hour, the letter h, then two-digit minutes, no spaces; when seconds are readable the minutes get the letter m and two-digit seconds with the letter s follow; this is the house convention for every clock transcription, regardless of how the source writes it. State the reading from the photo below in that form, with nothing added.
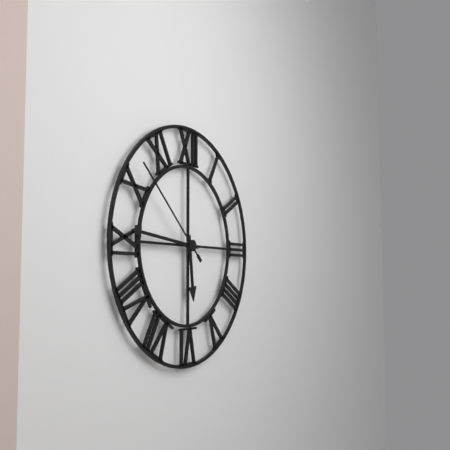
5h46m52s
